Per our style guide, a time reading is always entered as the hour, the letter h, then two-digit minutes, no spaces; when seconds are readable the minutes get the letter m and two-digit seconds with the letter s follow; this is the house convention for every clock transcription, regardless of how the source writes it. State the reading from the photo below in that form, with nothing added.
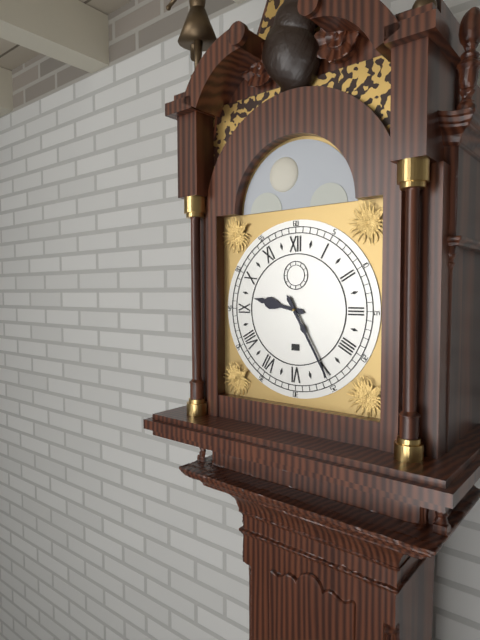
9h25
